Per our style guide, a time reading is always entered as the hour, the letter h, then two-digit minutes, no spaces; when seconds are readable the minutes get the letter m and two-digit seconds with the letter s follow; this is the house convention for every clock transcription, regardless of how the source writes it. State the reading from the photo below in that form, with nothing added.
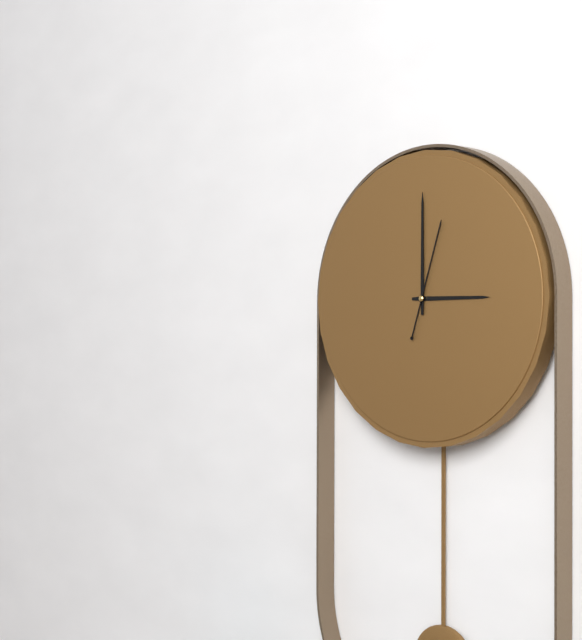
3h00m03s
